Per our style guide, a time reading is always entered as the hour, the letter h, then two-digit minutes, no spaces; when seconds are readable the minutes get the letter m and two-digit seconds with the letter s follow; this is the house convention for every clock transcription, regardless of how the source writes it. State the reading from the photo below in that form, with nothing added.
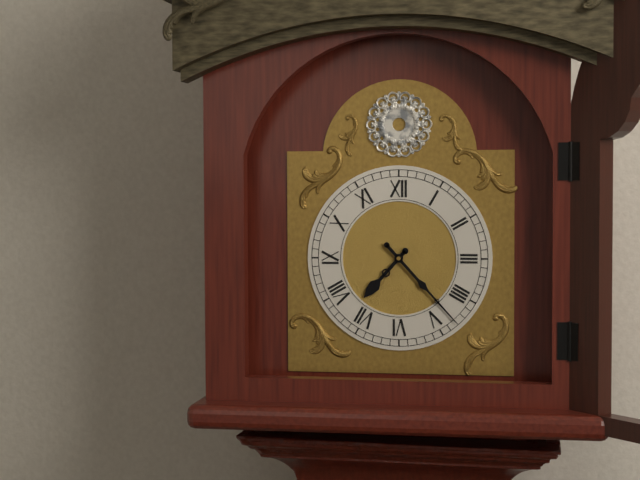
7h23
